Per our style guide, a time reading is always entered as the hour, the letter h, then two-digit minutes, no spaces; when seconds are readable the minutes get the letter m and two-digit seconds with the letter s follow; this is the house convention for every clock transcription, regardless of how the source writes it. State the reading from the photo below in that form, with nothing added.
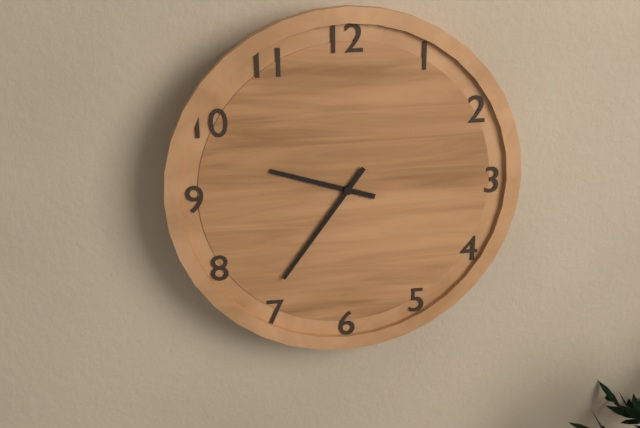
9h36
